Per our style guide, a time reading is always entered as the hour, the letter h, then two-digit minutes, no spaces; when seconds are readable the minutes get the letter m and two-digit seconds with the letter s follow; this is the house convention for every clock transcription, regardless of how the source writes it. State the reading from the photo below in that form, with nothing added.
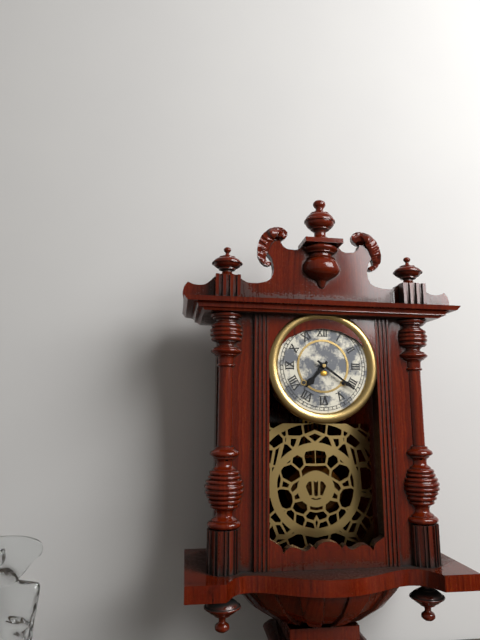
7h21
